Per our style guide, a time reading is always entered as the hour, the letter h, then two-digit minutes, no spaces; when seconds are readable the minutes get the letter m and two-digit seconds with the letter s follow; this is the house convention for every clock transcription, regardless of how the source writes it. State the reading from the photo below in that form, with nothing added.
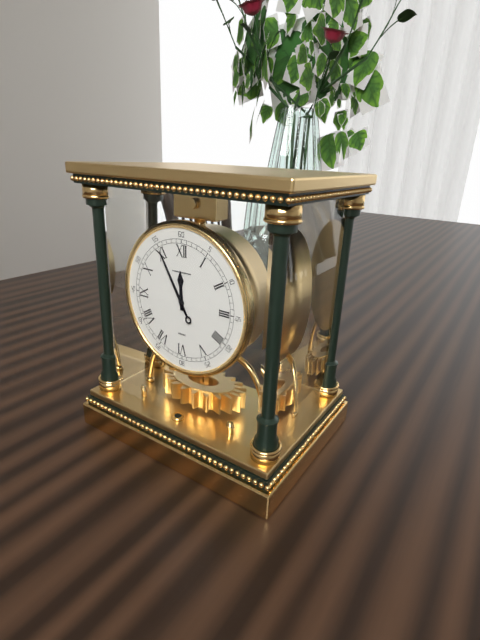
11h55
